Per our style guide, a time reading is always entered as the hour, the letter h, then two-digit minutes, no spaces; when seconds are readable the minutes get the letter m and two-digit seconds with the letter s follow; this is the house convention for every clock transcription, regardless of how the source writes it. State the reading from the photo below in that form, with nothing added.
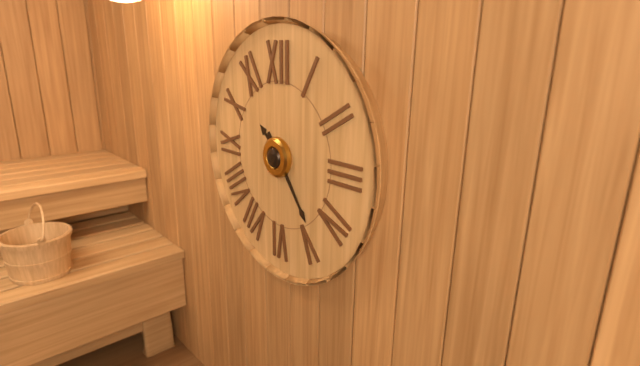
10h24
